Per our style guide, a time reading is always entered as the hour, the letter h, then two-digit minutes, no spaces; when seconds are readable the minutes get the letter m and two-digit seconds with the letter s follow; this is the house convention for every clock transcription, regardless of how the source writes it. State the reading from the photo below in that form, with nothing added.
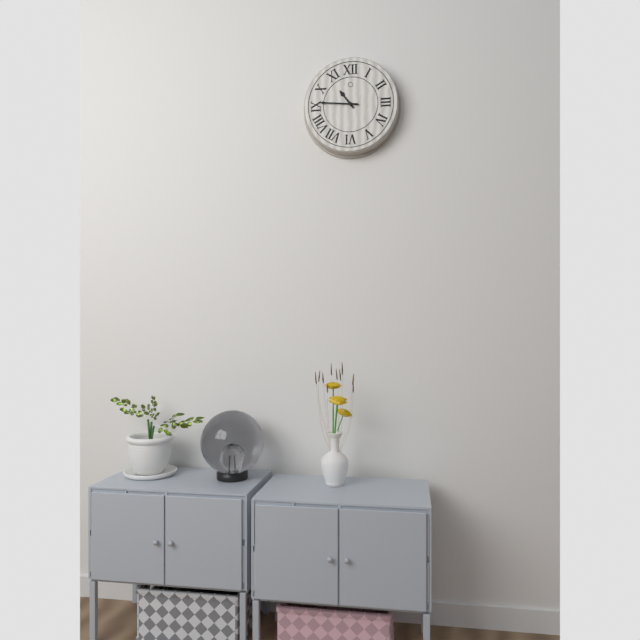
10h46
